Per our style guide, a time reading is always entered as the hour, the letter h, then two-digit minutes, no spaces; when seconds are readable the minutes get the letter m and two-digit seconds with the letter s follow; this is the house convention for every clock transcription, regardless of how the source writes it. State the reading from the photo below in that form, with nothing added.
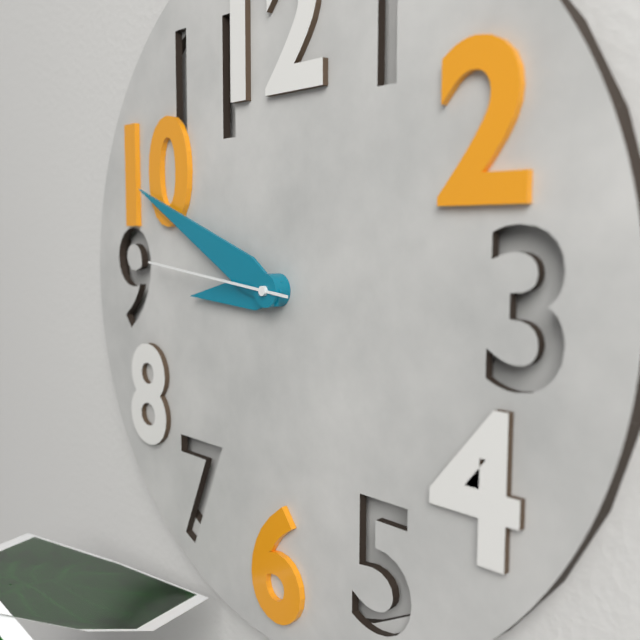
8h49m46s
